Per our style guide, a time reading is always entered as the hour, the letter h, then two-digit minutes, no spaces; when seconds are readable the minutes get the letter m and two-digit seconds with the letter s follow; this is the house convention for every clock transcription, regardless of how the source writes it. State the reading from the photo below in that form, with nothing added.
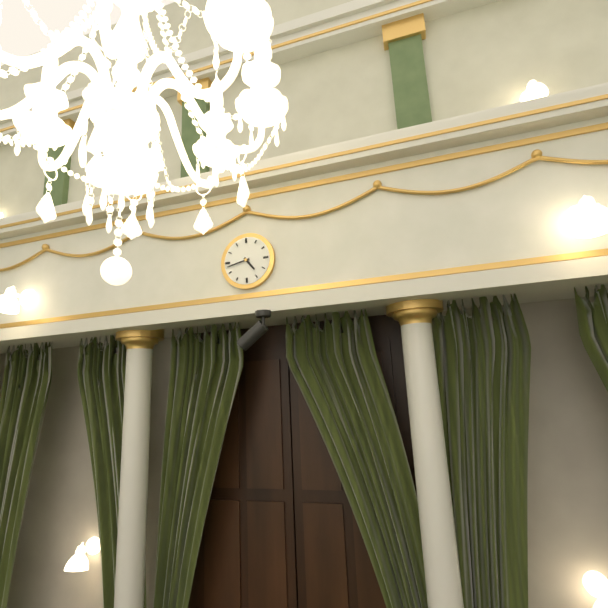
4h43
